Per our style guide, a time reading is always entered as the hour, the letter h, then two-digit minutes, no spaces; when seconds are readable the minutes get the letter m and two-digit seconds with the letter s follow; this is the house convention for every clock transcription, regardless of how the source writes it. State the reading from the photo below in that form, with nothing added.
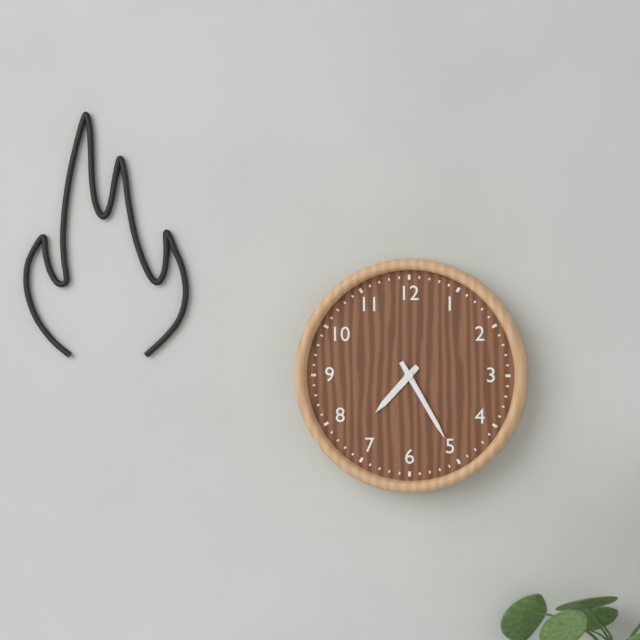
7h25
